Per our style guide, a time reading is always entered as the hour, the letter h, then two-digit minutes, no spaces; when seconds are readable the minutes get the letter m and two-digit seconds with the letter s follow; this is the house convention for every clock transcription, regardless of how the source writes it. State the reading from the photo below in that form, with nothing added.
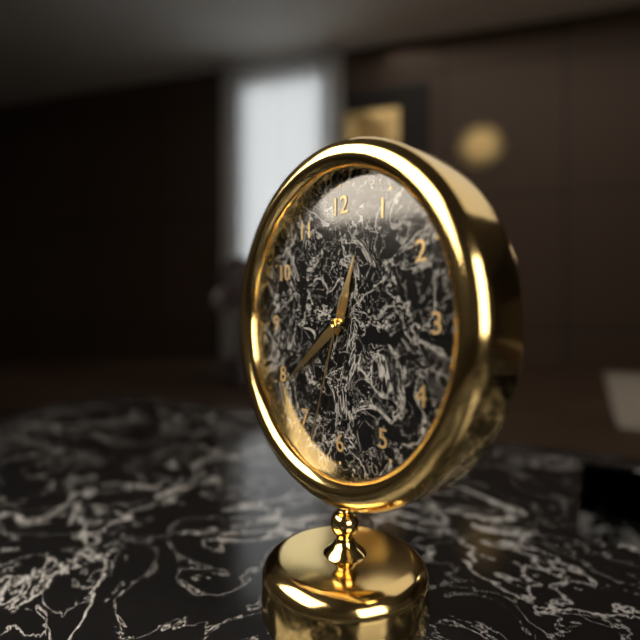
12h39m33s
